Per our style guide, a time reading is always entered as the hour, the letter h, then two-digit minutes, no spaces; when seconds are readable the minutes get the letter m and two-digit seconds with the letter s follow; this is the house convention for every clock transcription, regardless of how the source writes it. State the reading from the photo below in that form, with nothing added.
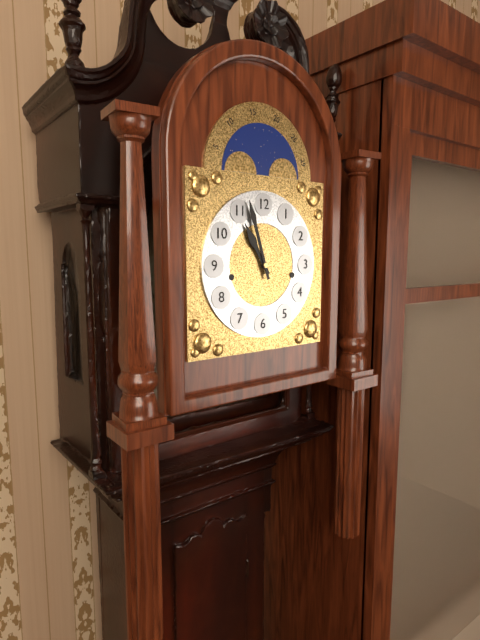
10h57
